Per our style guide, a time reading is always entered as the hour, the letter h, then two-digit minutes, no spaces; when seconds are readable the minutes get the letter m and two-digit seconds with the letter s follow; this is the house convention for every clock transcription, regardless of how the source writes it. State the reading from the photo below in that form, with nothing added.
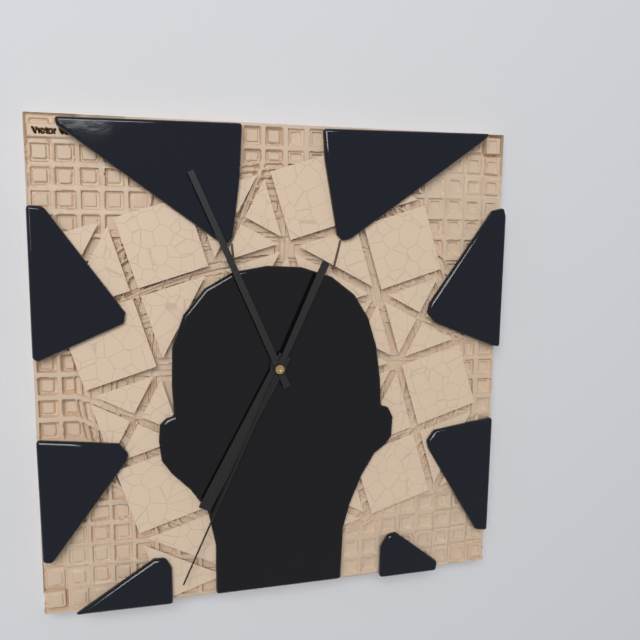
6h56m34s
